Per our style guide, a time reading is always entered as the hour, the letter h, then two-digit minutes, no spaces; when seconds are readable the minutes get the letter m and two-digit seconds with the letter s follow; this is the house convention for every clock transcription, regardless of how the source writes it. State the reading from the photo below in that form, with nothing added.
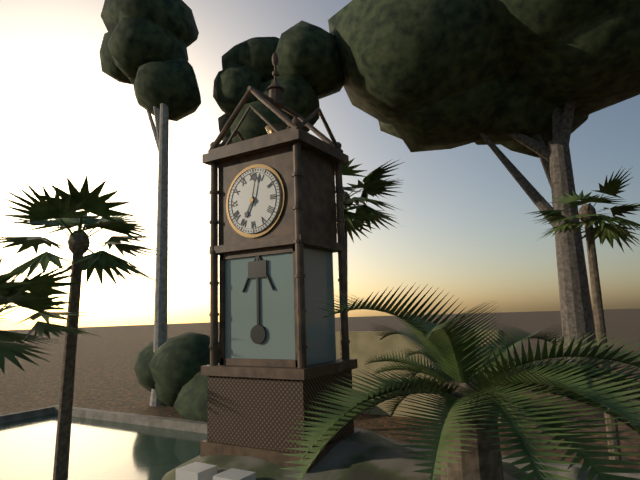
7h02
